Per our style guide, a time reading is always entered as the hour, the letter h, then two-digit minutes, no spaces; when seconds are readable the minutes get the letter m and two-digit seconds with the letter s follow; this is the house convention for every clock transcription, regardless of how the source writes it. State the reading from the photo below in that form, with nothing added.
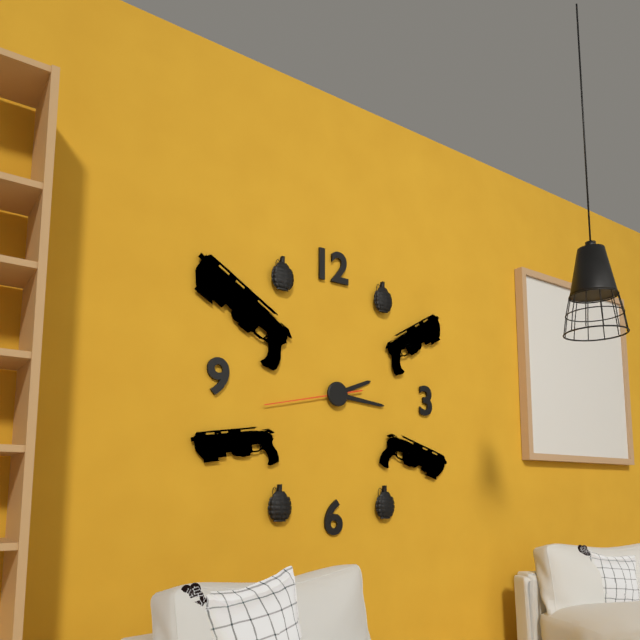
2h16m43s
